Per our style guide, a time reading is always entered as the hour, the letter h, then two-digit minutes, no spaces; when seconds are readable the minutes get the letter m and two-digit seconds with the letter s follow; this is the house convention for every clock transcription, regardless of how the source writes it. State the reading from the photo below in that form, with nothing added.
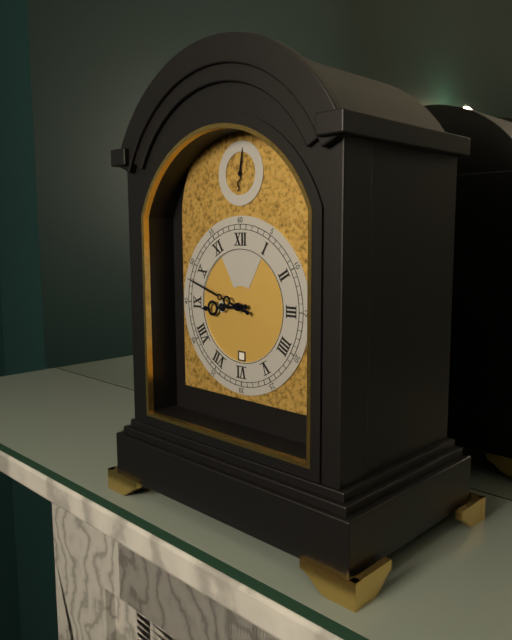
8h48
